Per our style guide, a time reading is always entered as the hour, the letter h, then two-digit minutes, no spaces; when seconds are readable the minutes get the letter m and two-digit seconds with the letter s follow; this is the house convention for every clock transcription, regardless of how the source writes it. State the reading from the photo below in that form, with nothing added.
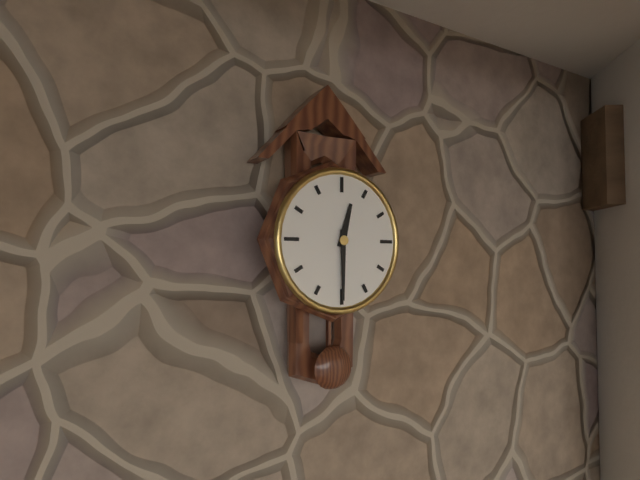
12h30
